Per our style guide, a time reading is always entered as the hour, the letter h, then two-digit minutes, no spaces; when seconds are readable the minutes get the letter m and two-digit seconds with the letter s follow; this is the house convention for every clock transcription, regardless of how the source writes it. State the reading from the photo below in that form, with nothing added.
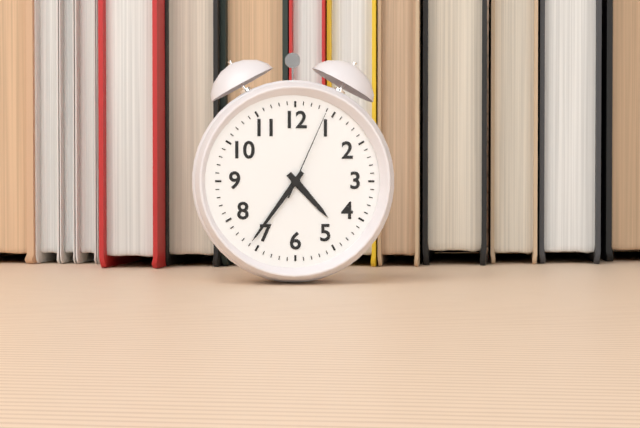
4h36m04s
